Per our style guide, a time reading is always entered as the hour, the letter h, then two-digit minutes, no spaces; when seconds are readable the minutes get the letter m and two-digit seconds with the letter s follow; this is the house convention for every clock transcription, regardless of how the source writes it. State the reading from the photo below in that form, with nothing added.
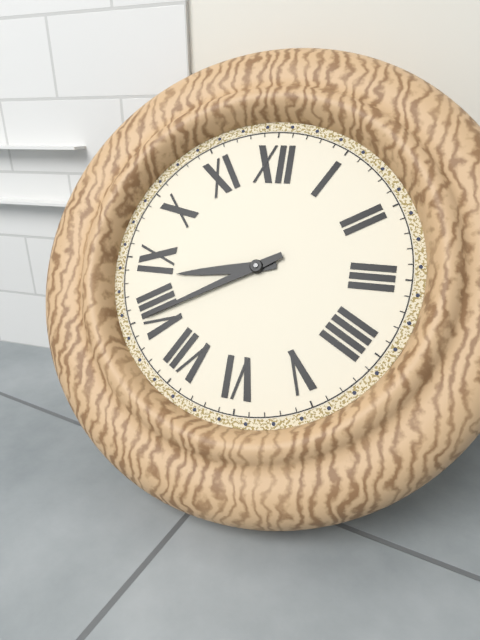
8h40
